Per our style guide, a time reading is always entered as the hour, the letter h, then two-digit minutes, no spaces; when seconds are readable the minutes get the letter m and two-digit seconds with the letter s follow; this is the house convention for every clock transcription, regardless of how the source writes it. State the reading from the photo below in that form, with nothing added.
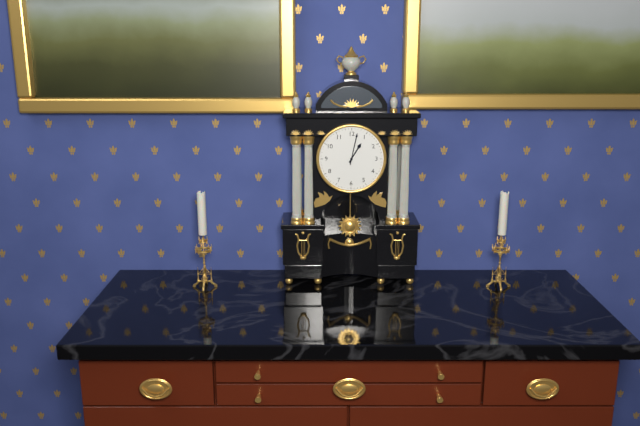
1h02
